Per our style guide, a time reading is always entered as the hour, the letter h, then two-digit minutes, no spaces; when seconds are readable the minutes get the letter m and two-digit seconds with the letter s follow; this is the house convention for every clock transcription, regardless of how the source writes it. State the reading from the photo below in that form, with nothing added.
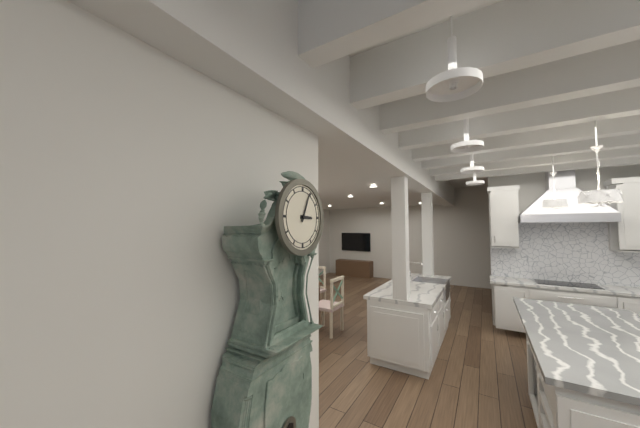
3h04
